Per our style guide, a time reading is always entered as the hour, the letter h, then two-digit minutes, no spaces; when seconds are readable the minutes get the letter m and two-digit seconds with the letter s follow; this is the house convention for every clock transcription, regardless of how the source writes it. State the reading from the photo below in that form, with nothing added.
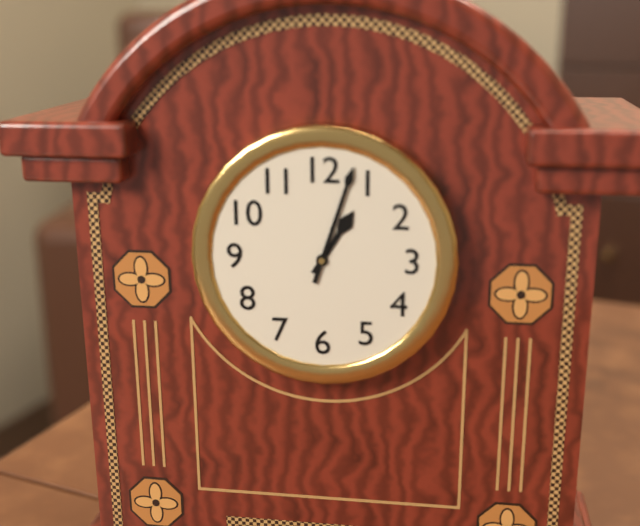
1h03
